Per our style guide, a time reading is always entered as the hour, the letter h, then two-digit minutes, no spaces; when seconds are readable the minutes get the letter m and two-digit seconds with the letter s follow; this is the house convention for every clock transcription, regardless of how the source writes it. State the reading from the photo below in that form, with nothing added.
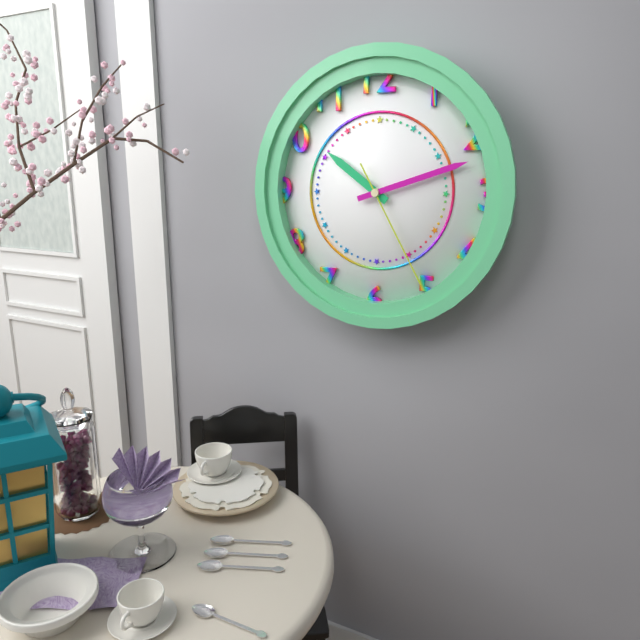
10h12m25s
